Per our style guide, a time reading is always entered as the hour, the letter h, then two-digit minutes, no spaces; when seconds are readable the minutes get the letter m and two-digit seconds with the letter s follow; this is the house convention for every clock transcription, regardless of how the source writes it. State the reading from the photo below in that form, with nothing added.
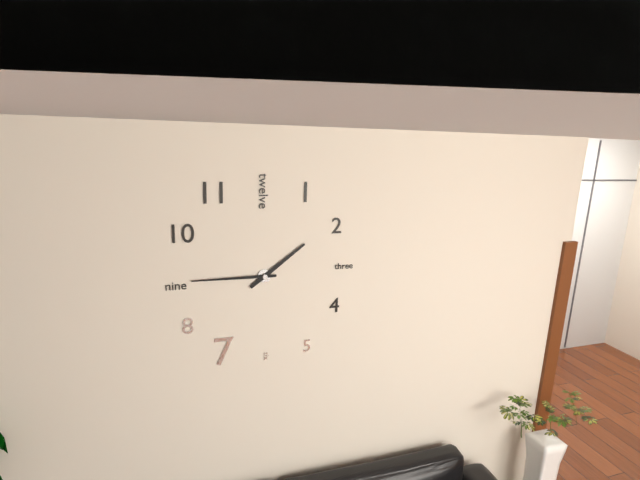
1h45
